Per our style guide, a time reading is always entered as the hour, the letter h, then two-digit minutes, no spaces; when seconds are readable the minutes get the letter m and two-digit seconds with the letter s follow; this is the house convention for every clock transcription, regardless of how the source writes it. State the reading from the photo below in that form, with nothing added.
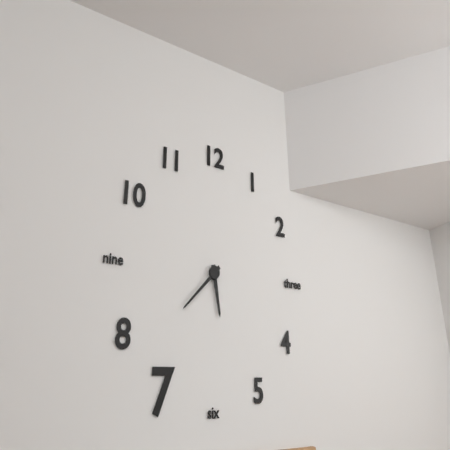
5h38
